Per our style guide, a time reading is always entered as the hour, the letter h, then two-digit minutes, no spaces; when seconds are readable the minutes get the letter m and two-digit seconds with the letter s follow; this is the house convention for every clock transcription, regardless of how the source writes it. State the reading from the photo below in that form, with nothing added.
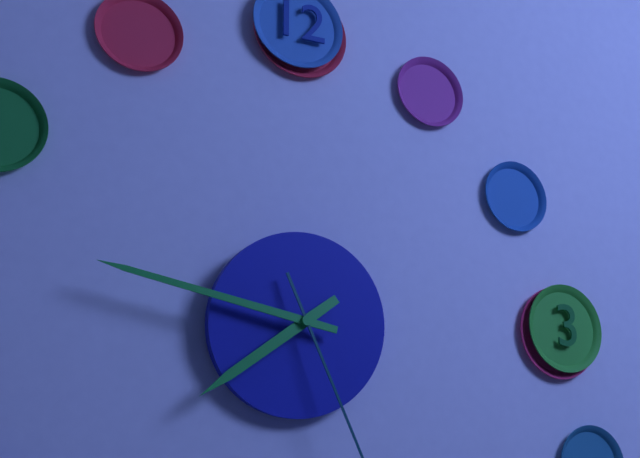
7h47
